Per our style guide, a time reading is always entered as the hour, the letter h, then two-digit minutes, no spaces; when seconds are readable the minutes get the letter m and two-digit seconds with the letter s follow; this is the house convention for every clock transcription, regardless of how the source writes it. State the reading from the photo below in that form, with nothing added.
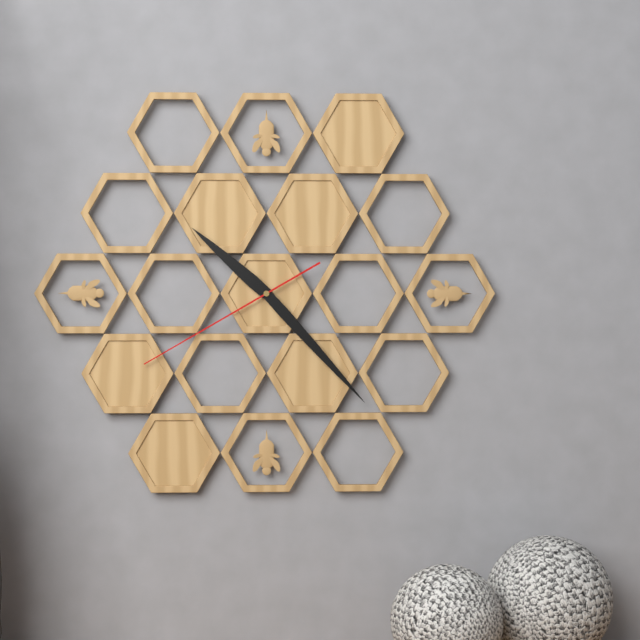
10h23m40s
